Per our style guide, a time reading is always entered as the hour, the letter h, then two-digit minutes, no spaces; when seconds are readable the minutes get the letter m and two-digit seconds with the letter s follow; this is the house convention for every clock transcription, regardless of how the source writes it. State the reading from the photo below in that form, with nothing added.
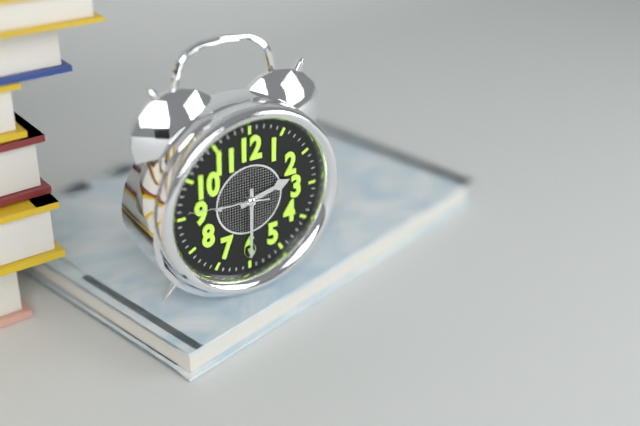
2h30m46s
